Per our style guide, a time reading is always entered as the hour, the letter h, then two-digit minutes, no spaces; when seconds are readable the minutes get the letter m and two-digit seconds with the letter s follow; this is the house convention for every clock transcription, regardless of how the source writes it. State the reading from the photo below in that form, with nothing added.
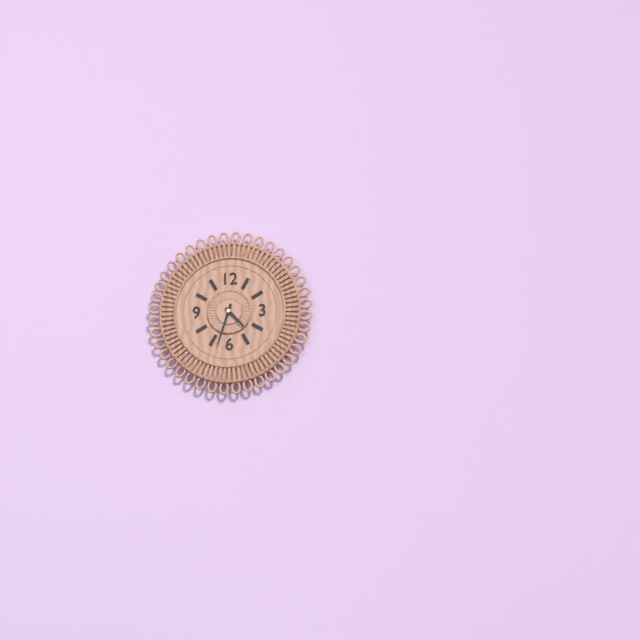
4h33
